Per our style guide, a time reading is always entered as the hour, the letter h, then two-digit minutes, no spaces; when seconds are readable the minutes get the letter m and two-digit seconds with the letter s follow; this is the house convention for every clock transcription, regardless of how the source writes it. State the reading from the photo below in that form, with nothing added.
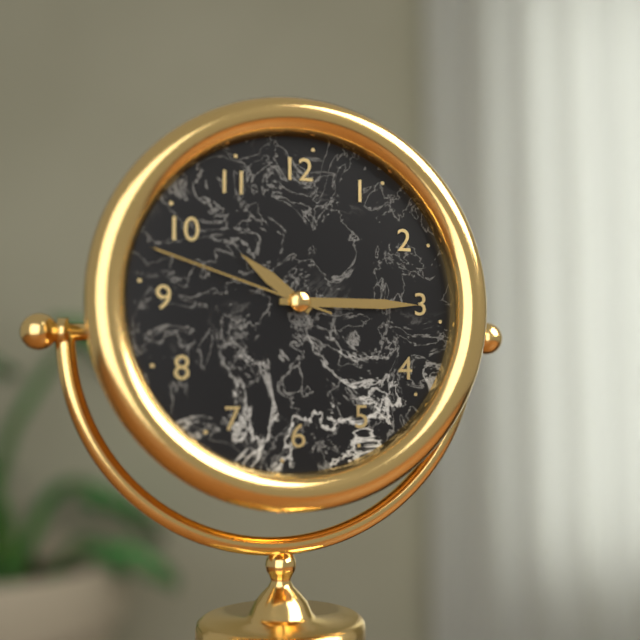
10h15m48s
